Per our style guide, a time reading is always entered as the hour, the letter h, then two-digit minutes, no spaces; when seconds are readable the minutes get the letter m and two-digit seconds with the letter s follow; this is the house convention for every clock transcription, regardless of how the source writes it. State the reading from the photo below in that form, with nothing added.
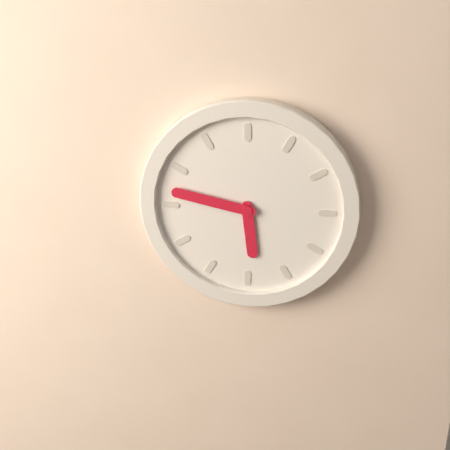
5h47
